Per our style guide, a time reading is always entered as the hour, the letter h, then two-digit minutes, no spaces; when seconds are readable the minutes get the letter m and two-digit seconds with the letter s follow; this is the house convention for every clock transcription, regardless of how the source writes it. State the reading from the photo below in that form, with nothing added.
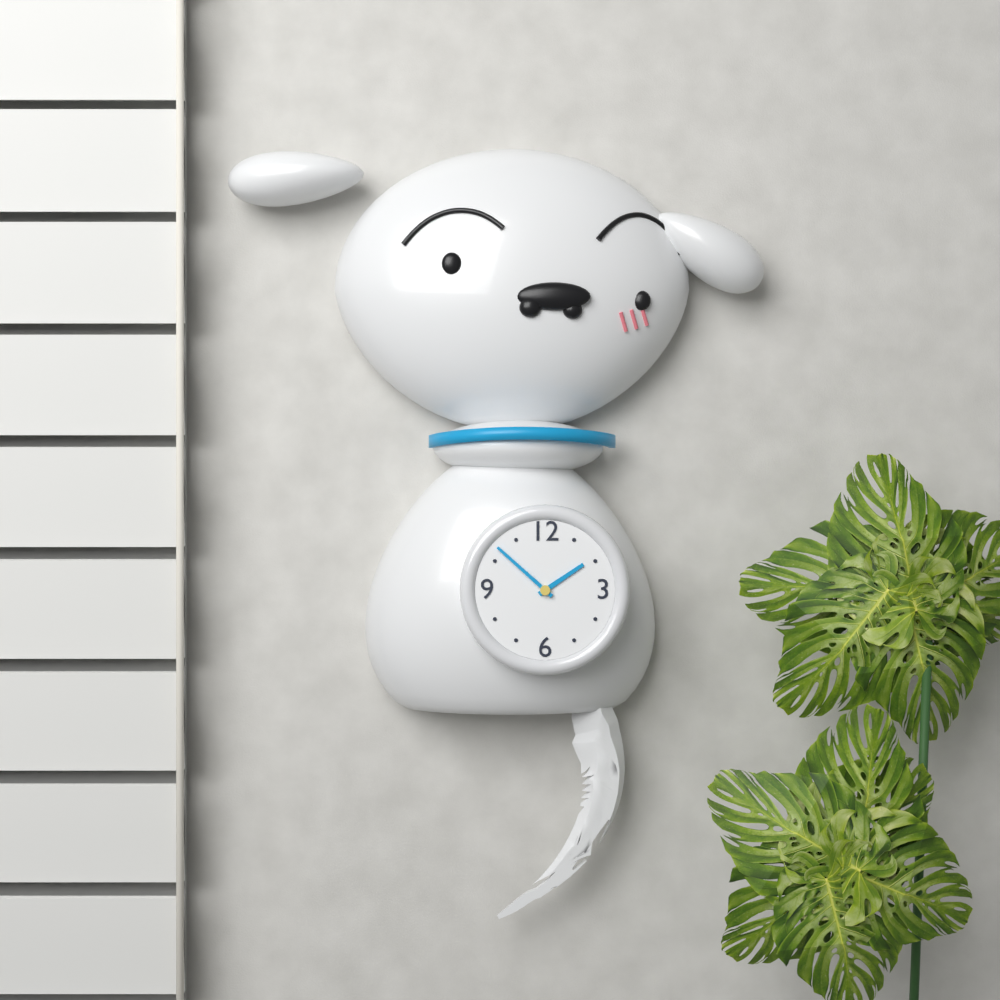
1h52
